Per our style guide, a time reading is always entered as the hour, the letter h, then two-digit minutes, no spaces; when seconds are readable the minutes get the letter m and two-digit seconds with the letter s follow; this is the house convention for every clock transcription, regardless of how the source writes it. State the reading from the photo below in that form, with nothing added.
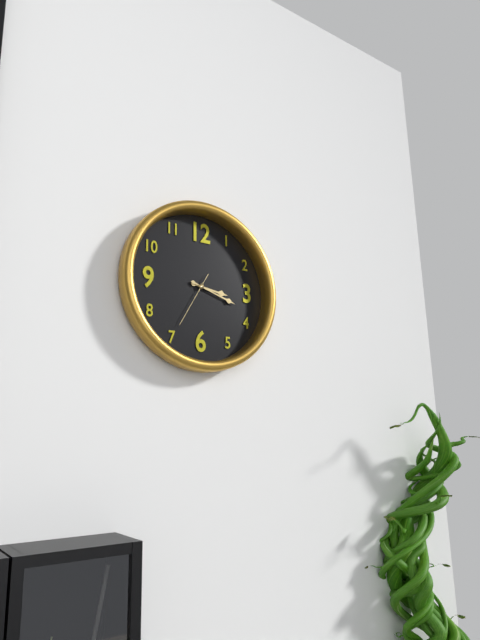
3h18m35s
